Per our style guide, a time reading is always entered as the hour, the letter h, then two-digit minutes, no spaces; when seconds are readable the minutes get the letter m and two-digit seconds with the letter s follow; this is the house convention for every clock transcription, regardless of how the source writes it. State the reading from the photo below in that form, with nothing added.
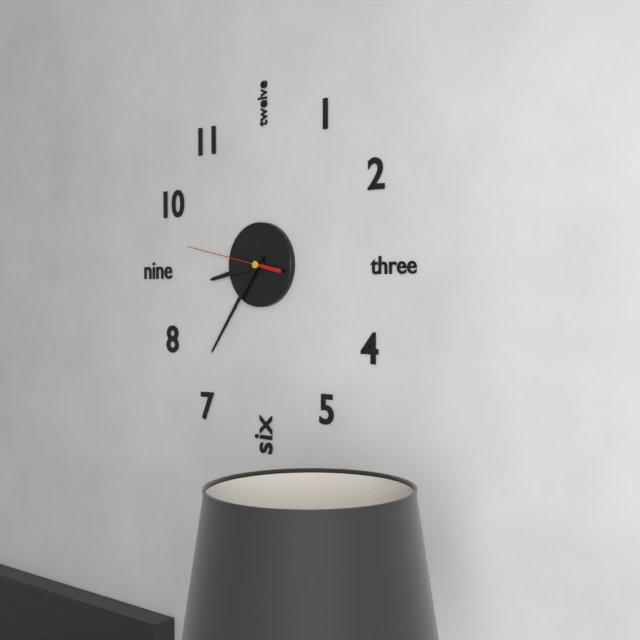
8h36m47s
